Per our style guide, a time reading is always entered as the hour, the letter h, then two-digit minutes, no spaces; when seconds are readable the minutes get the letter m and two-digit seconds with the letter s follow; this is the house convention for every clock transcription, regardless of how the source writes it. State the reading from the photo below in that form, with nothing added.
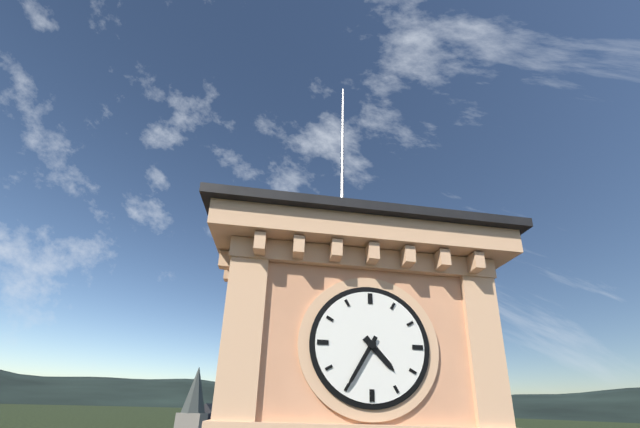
4h35
